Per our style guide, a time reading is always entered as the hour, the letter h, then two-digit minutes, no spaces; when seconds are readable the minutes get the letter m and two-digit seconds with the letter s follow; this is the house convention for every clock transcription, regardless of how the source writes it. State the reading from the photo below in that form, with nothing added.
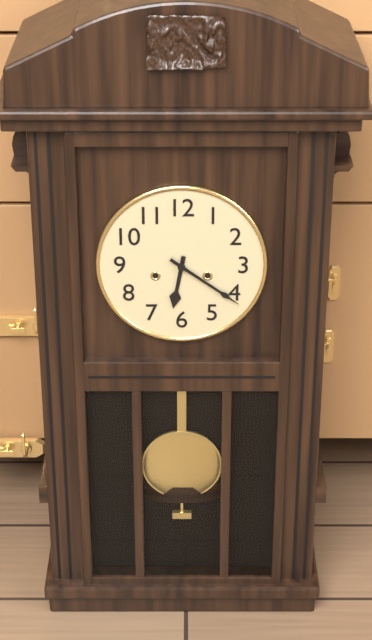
6h21
